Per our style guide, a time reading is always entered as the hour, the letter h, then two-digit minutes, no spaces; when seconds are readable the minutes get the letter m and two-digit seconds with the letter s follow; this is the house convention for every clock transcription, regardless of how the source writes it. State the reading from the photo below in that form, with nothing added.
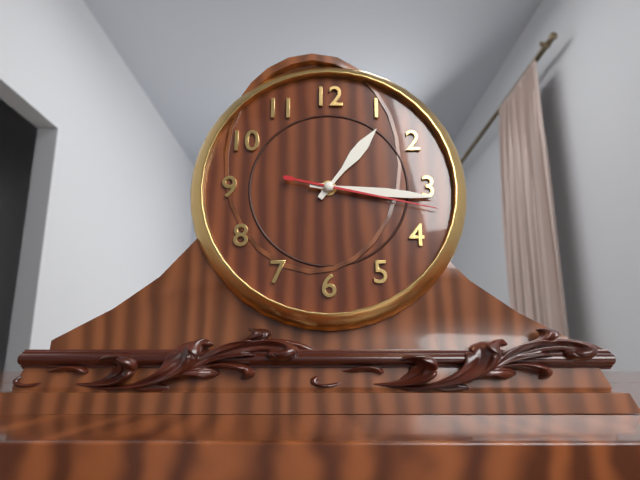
1h16m17s
